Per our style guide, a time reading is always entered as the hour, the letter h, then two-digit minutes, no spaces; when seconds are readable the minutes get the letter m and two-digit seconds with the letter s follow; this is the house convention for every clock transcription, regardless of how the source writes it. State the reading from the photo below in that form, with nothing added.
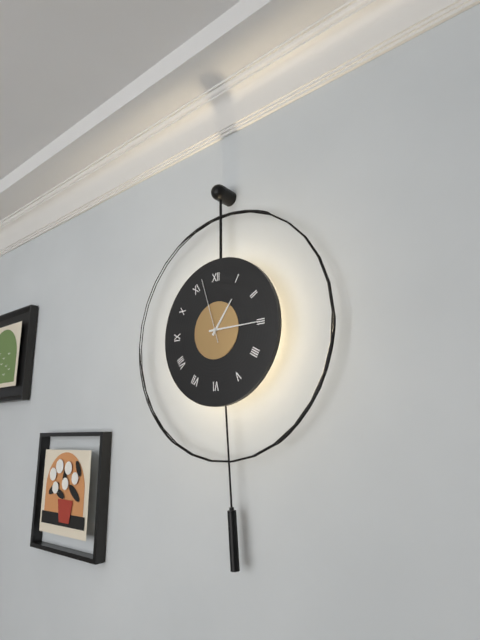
1h15m57s
